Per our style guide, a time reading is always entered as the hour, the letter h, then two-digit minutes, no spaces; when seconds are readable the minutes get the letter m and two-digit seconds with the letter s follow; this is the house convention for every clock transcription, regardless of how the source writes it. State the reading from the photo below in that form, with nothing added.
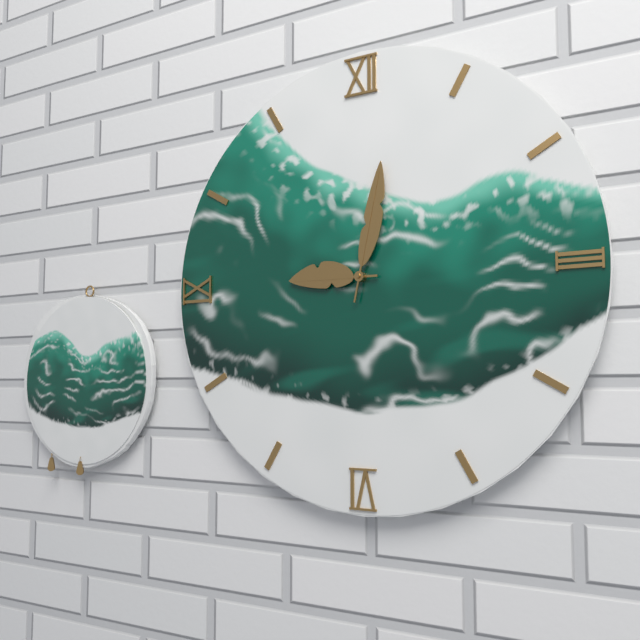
9h02
